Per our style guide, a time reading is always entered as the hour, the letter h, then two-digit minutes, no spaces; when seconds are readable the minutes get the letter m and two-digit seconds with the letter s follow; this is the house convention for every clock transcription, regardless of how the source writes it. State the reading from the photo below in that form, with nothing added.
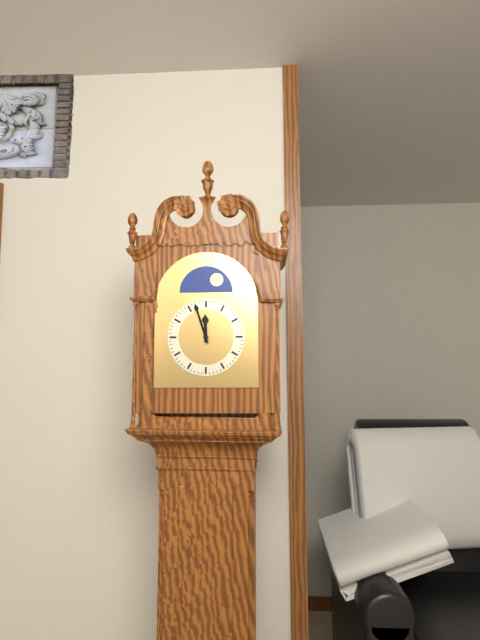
11h57
